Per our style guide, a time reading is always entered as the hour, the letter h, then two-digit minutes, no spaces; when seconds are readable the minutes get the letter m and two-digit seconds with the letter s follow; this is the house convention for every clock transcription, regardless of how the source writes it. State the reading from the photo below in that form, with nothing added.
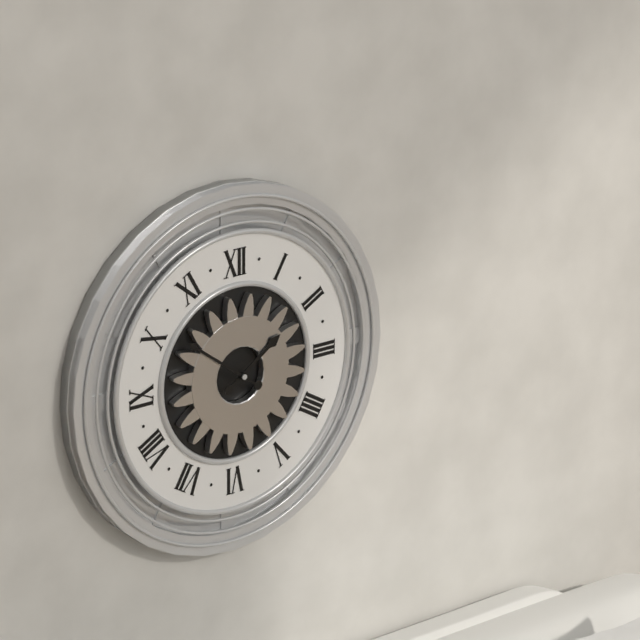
1h51
